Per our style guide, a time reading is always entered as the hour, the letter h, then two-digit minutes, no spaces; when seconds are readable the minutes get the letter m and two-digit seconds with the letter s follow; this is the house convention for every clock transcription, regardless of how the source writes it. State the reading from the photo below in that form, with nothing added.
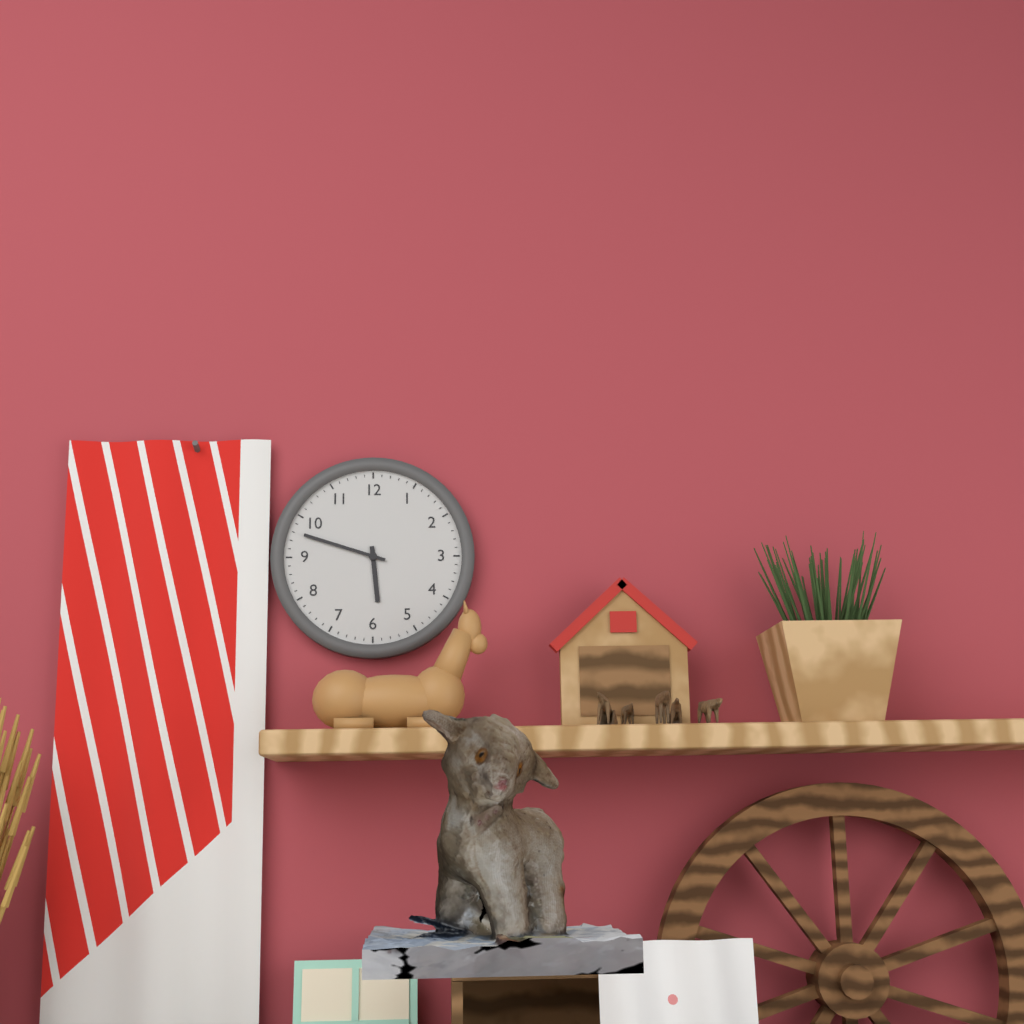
5h48
